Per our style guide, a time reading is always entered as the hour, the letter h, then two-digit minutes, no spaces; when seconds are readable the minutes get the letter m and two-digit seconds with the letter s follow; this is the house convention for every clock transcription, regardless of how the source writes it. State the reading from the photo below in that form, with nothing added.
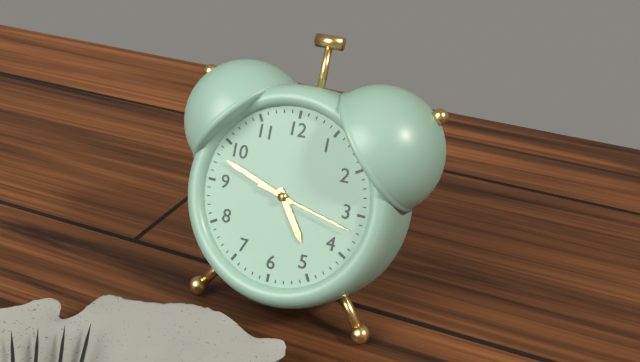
4h48m17s
